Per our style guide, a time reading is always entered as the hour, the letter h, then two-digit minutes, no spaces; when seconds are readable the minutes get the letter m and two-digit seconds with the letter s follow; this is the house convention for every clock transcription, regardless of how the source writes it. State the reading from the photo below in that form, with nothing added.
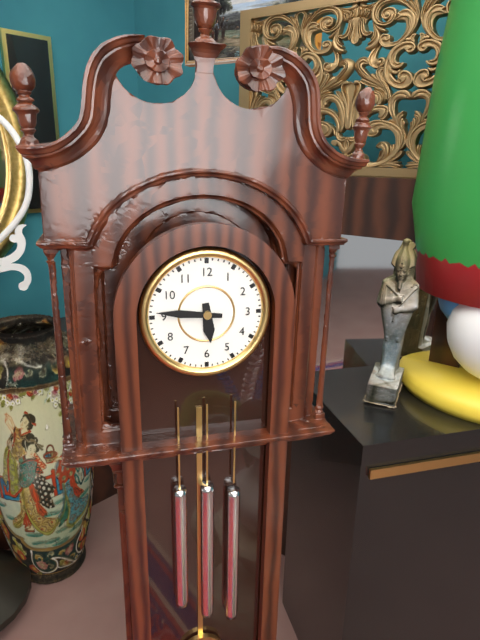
5h46
